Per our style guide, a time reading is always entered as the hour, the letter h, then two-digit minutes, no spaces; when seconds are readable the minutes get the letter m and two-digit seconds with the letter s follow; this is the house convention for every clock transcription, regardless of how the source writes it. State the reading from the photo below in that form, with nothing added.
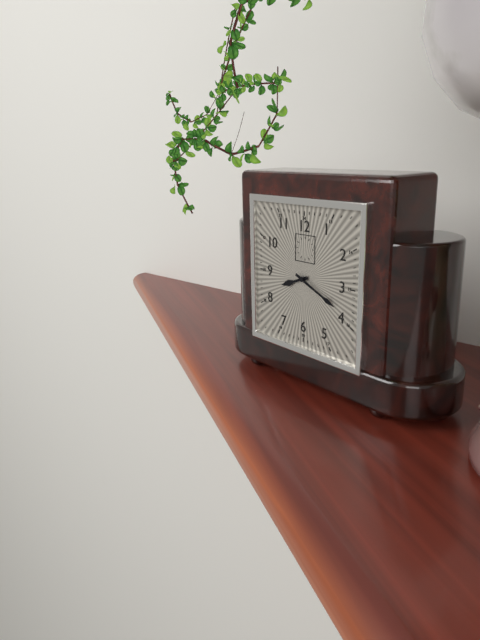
8h19
